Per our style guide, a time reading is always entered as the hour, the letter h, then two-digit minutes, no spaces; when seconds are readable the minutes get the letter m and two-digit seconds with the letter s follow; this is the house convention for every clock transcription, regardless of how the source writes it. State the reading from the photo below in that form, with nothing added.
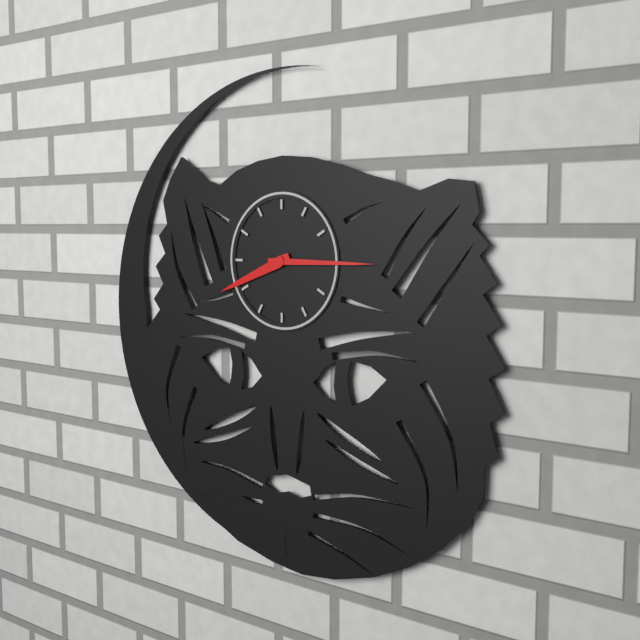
8h15
